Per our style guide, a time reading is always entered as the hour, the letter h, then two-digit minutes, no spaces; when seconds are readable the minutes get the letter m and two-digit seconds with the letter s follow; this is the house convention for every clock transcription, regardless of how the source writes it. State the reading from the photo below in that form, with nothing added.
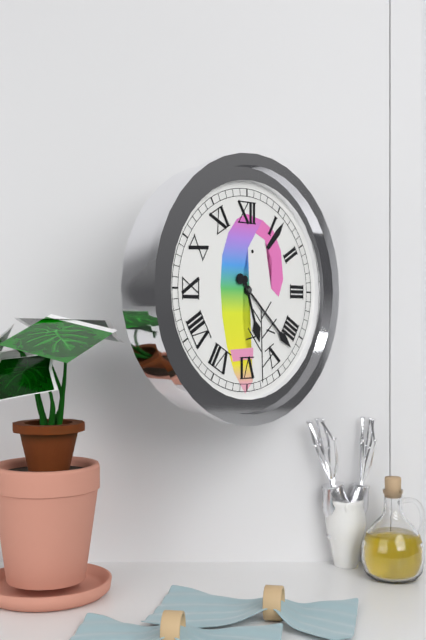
5h22
